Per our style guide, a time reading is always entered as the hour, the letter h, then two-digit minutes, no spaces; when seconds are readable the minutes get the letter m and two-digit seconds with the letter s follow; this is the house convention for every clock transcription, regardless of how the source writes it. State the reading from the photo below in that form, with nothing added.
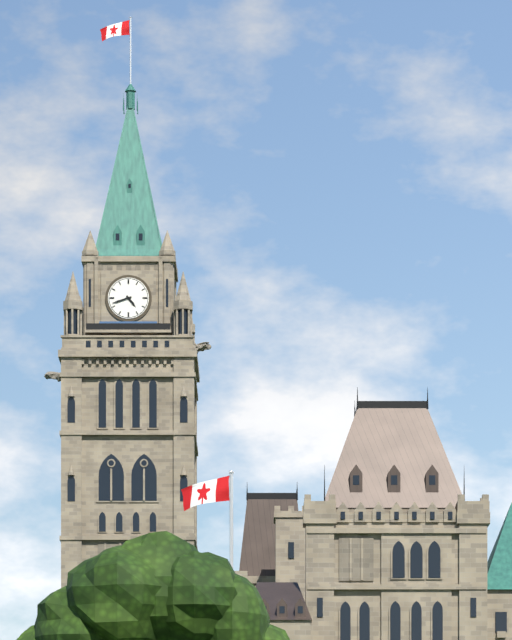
4h42
